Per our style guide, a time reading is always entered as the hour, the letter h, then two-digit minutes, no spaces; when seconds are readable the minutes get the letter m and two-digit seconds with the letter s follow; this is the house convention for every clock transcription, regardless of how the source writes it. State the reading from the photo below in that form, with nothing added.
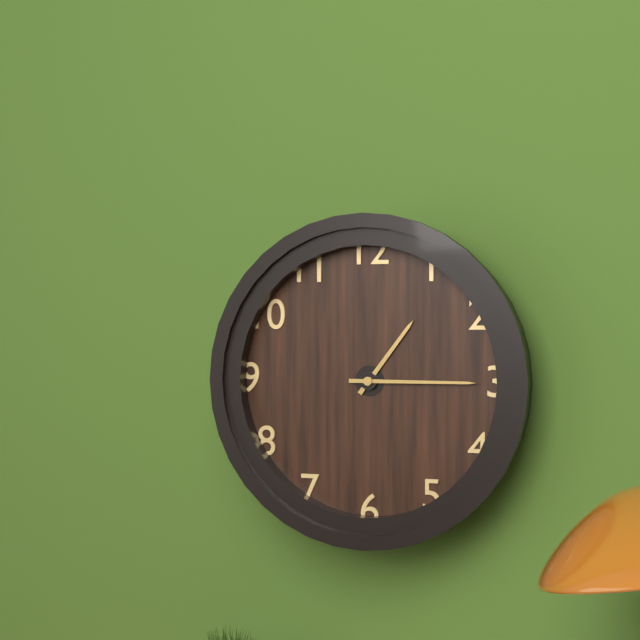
1h15
